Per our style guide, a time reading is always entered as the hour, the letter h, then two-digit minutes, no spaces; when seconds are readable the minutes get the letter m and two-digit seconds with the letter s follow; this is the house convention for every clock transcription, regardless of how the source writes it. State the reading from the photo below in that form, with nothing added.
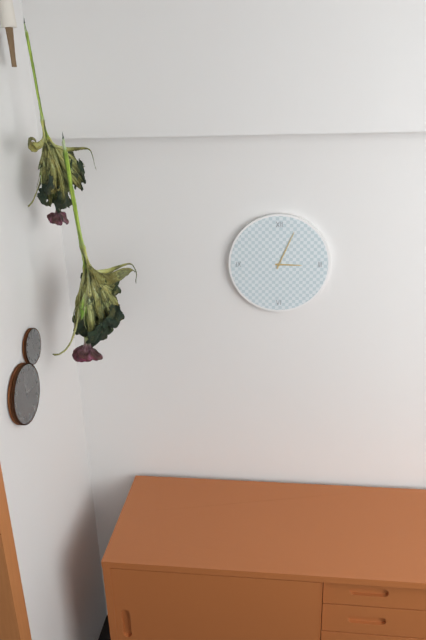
3h04
